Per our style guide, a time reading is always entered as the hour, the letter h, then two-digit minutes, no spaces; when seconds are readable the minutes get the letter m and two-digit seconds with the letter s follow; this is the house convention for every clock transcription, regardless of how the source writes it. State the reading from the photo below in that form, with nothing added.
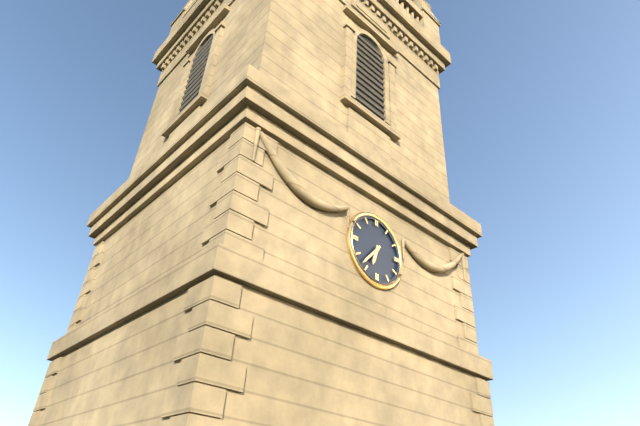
6h37
